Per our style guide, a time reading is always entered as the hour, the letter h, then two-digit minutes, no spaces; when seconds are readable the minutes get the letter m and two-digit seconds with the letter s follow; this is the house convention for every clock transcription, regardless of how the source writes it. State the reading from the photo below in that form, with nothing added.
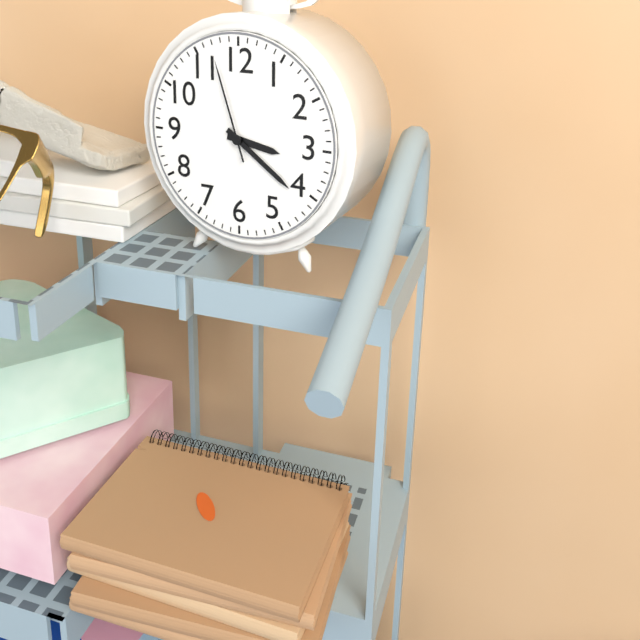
3h21m57s
